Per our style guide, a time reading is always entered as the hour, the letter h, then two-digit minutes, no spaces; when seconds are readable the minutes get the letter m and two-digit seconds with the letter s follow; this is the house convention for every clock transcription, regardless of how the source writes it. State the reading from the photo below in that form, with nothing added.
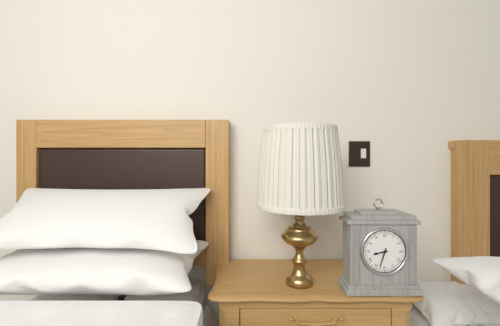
8h33
